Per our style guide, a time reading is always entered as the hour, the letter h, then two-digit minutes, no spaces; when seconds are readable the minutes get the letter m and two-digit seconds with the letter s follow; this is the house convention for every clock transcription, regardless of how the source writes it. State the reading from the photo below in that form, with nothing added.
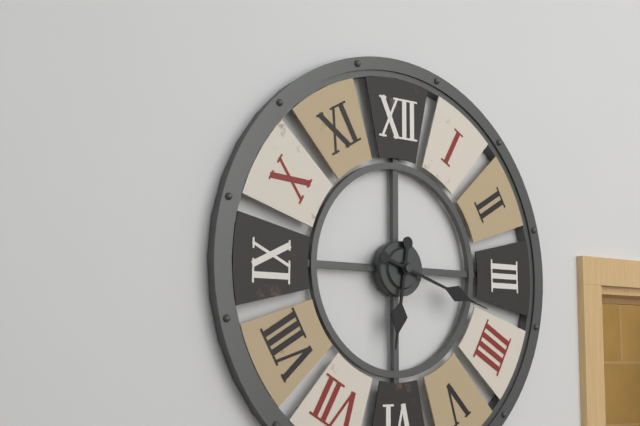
6h18
